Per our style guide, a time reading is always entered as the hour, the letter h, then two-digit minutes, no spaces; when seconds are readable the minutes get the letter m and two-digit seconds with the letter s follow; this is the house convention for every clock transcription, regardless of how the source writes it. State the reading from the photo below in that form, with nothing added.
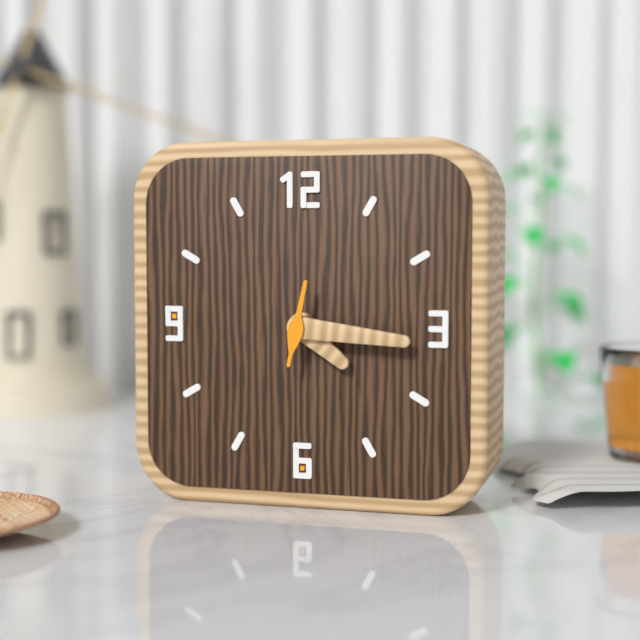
4h16m02s
